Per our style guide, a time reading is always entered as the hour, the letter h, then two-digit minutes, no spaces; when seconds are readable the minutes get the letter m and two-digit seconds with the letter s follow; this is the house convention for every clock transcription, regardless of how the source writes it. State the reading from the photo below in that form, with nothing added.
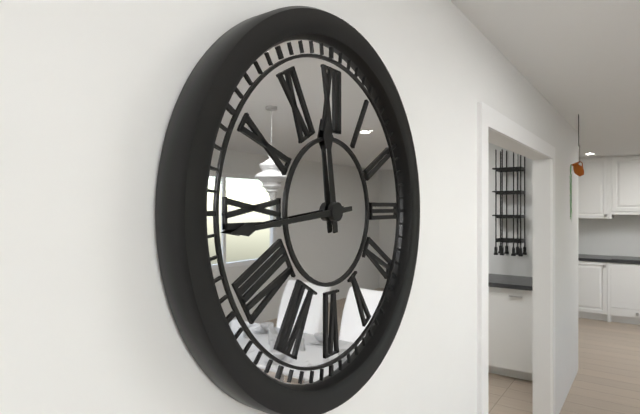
11h44
